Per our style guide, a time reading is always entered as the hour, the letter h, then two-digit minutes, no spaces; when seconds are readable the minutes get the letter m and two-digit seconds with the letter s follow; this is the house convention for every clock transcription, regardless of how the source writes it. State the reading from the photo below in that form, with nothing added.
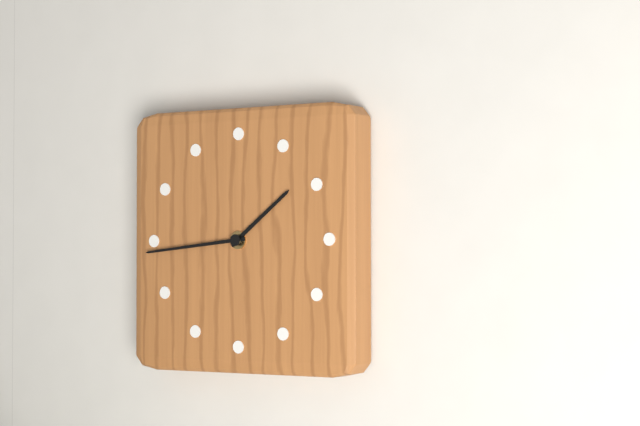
1h44
